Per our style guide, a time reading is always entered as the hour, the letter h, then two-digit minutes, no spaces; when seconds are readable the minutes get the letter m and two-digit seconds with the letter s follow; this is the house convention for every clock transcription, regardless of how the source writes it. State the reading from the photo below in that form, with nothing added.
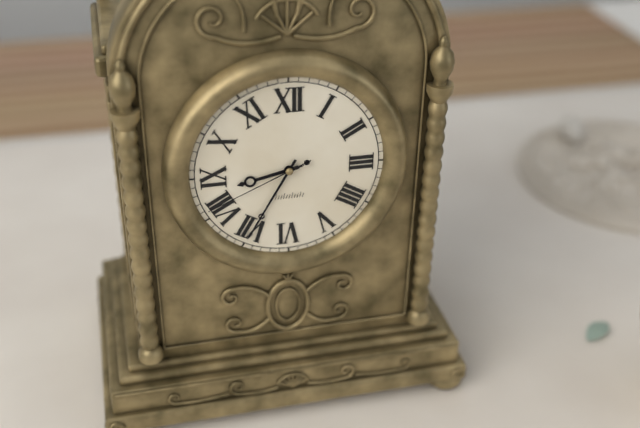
8h35m41s
